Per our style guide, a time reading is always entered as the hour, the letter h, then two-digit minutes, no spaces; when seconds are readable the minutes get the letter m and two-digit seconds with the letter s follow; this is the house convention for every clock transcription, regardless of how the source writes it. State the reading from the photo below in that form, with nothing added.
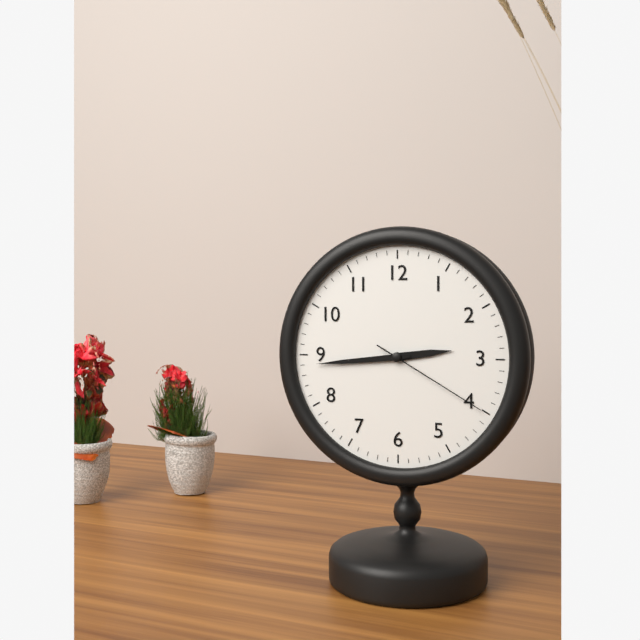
2h44m20s
